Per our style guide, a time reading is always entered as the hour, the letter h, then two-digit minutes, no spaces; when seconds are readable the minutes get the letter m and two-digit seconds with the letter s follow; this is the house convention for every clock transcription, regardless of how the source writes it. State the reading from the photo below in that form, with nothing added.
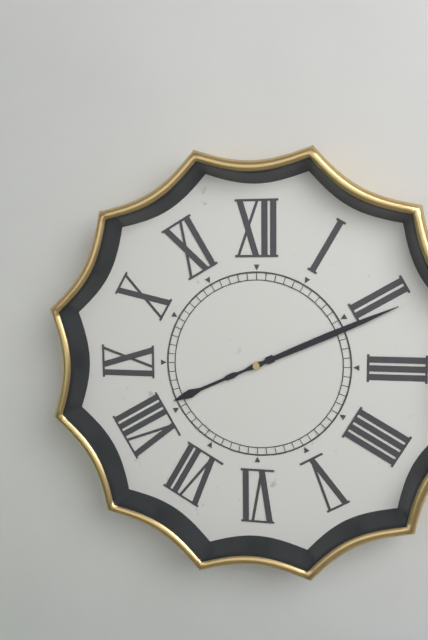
8h11
